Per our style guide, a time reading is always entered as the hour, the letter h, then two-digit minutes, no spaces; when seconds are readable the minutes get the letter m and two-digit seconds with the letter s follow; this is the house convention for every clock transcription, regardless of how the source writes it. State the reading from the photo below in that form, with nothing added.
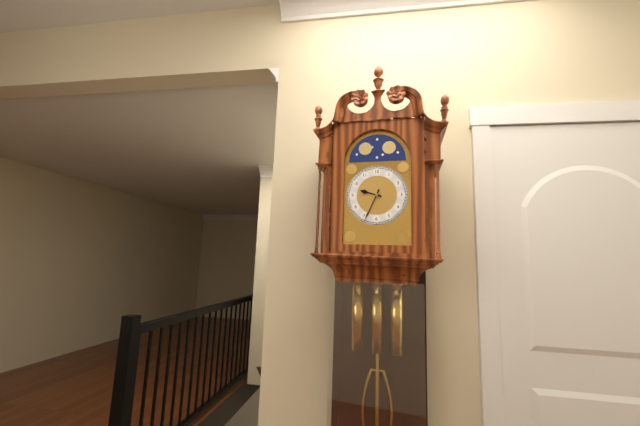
9h34
